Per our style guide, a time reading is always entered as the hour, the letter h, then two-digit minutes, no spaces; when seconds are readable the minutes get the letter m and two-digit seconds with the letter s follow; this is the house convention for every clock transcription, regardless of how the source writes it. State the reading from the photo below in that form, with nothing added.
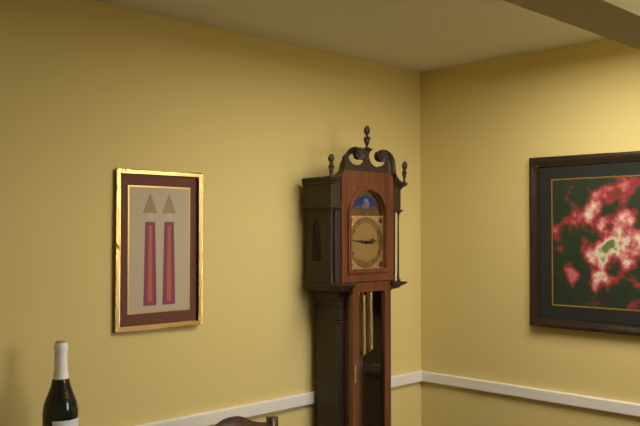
2h46
